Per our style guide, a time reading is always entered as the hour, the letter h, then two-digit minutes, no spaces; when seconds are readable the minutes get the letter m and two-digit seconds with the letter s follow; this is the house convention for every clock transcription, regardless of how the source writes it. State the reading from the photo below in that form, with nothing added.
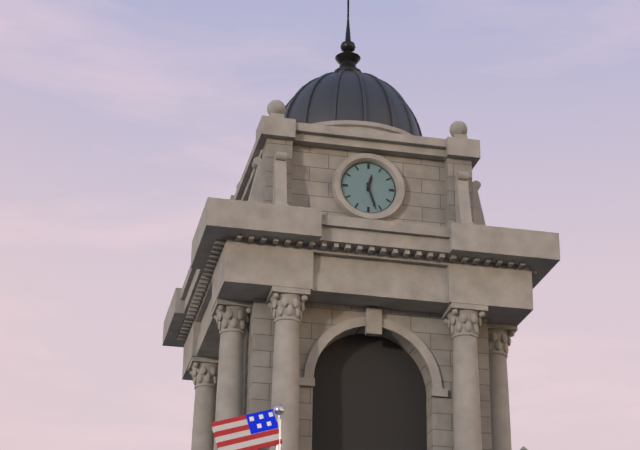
12h27
